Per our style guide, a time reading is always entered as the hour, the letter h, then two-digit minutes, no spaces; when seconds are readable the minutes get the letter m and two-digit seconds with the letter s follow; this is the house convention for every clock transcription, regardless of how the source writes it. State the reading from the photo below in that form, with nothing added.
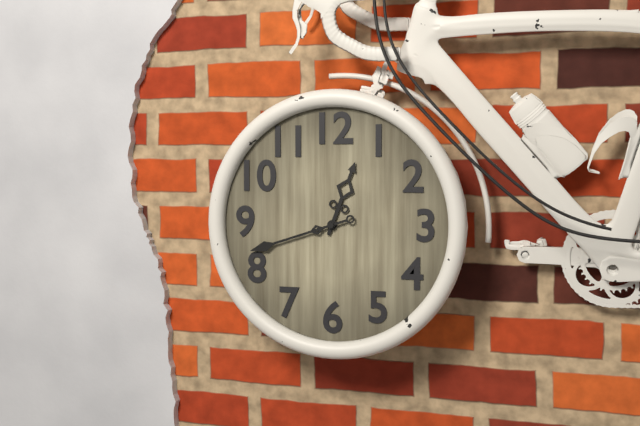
12h42
